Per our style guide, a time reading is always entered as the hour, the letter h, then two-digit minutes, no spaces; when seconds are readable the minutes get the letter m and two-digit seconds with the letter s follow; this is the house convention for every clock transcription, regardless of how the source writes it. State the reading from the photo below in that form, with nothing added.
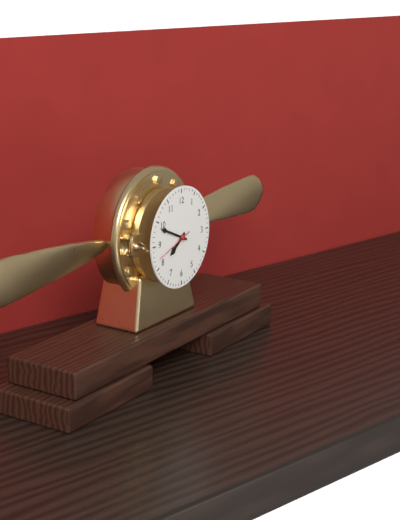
7h49
